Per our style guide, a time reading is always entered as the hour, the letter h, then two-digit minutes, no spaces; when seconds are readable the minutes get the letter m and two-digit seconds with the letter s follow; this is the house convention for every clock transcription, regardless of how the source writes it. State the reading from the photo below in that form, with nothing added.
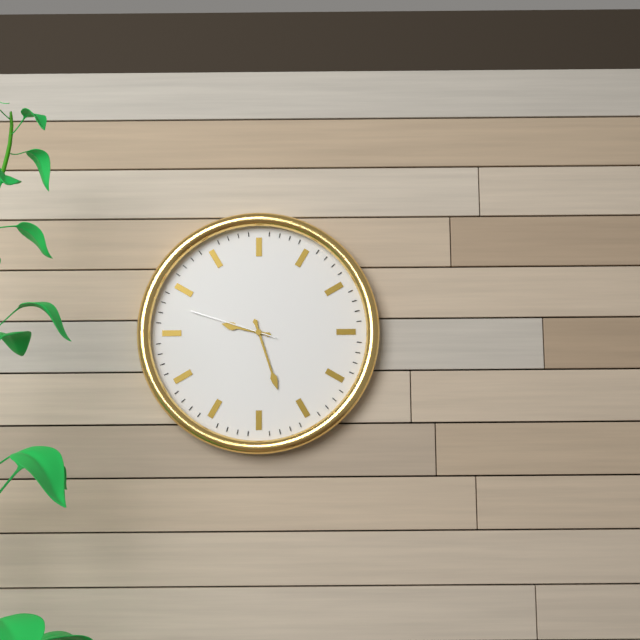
9h27m48s
